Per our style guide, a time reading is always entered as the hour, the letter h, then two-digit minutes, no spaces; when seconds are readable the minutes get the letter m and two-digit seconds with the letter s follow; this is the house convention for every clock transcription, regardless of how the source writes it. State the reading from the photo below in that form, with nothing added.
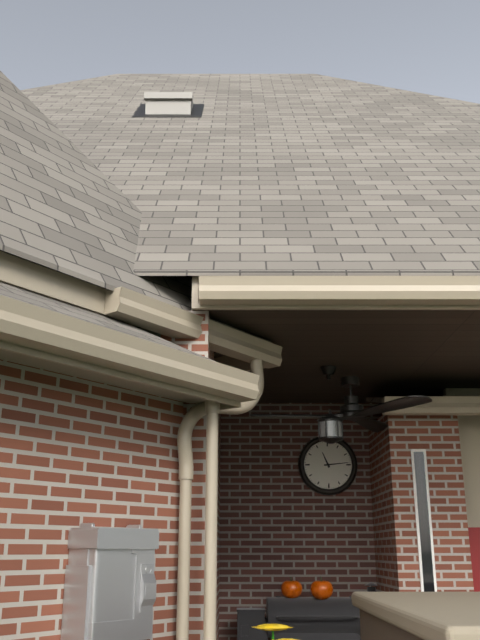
11h14
